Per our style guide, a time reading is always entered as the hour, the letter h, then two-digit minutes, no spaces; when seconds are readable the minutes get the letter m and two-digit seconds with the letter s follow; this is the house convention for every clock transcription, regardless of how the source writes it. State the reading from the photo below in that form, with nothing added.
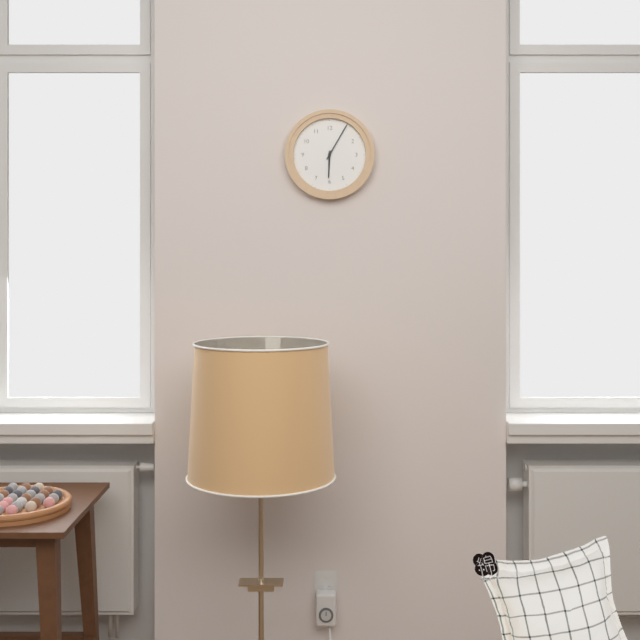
6h05
